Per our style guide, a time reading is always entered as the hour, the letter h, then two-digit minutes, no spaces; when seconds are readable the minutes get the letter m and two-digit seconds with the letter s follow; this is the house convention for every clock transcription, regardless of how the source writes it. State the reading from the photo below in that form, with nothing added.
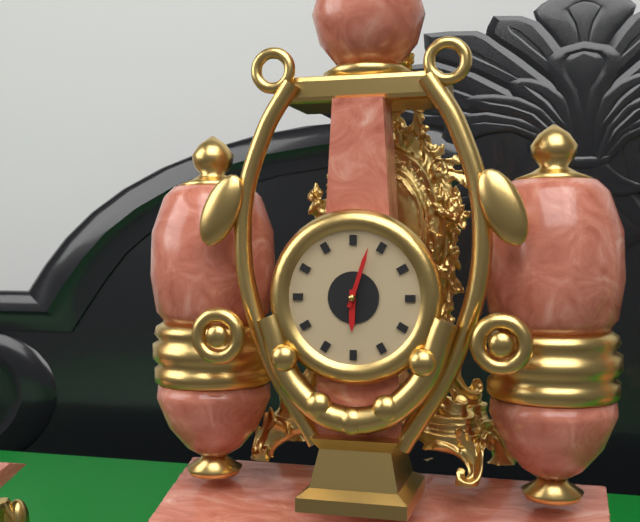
6h03
